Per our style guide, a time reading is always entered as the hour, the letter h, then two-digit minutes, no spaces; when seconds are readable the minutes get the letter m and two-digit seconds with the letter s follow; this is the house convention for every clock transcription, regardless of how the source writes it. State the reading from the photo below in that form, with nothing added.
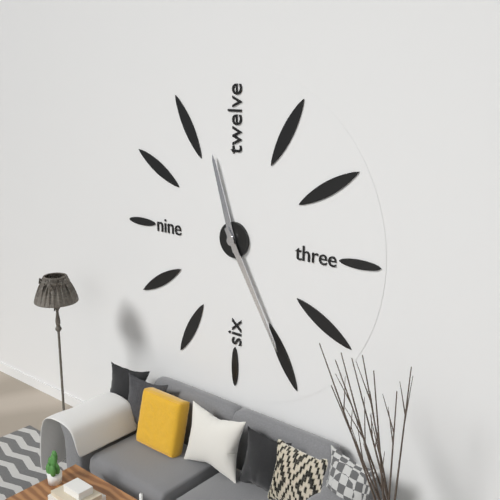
11h25
